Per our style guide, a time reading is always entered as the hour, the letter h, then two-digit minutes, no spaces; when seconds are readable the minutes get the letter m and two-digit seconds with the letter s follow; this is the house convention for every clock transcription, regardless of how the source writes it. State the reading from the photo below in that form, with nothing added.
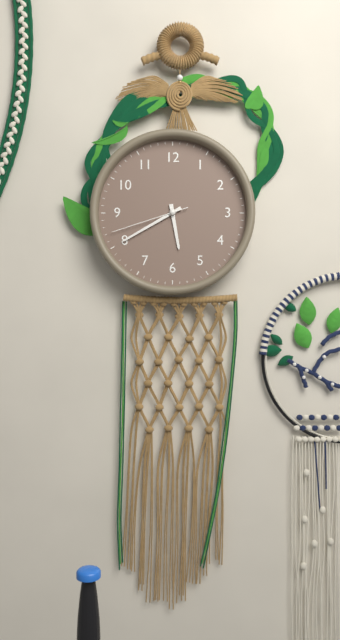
5h40m42s
